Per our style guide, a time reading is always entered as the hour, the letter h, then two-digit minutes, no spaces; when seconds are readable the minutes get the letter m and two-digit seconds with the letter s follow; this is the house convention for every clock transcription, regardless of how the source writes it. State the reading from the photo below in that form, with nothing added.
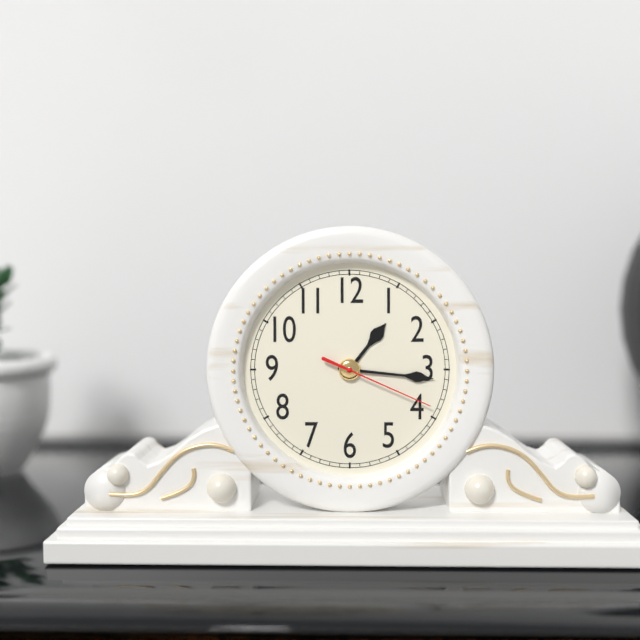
1h16m19s
